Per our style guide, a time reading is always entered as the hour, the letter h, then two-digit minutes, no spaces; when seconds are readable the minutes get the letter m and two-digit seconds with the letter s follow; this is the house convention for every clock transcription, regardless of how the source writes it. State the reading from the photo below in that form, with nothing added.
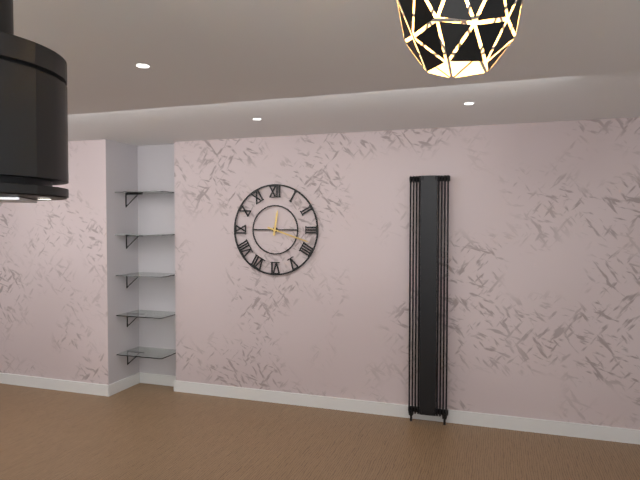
12h18
